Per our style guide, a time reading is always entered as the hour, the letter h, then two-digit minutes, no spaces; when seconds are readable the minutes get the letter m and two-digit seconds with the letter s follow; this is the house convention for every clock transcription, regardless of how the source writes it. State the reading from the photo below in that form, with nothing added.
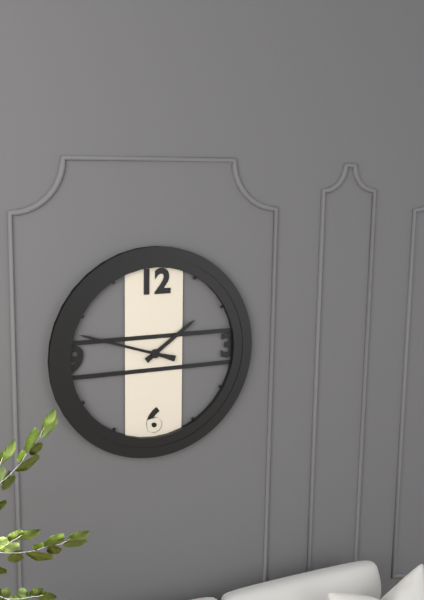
1h48
